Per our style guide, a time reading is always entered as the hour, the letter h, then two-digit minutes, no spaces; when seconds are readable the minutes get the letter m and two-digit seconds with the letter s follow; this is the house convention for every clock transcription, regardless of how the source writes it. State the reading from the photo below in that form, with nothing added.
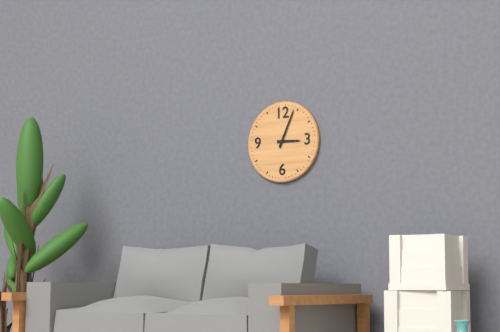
3h04
